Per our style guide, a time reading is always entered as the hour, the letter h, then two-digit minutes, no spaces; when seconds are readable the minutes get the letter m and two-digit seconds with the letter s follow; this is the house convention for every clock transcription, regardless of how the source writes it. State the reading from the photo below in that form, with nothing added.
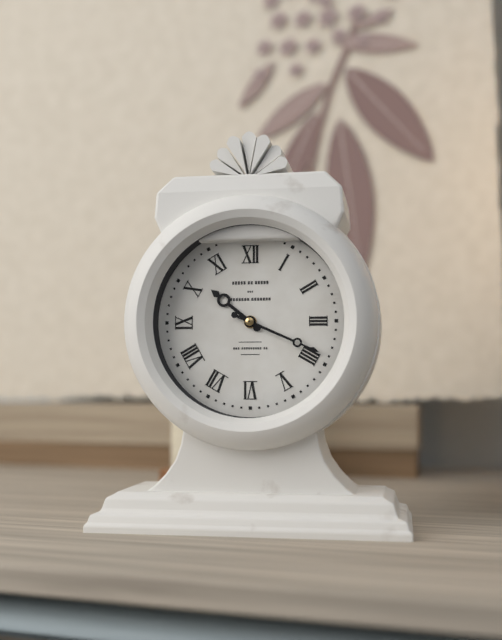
10h19
